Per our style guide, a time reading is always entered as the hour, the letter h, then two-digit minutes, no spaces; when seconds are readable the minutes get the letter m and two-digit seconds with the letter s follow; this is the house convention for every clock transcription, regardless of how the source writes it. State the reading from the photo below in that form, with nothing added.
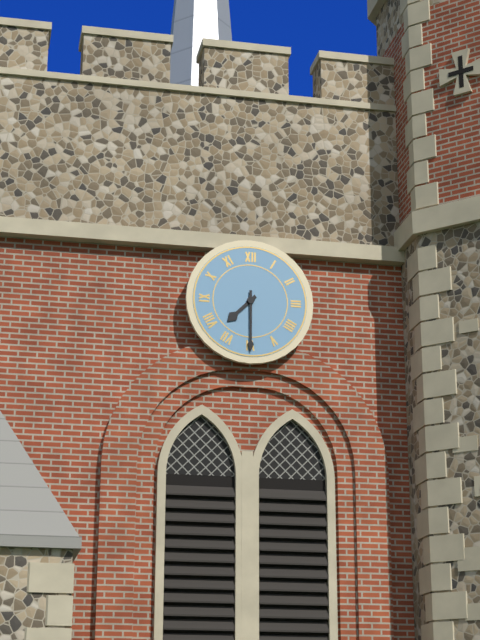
7h30
